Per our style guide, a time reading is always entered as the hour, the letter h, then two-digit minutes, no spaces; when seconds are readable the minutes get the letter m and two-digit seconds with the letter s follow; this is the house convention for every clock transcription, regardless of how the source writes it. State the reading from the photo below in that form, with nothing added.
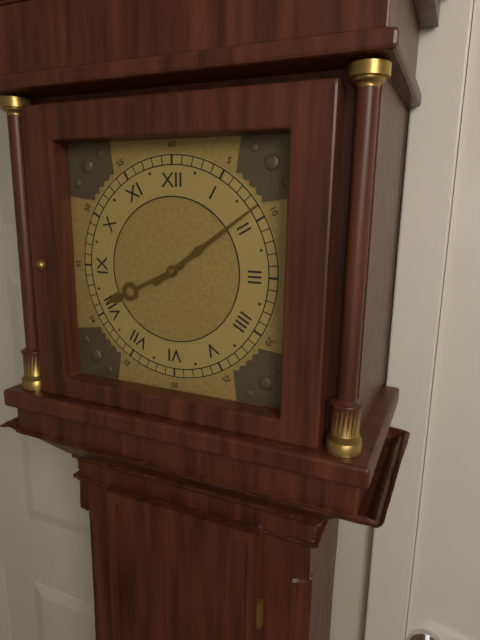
8h09
